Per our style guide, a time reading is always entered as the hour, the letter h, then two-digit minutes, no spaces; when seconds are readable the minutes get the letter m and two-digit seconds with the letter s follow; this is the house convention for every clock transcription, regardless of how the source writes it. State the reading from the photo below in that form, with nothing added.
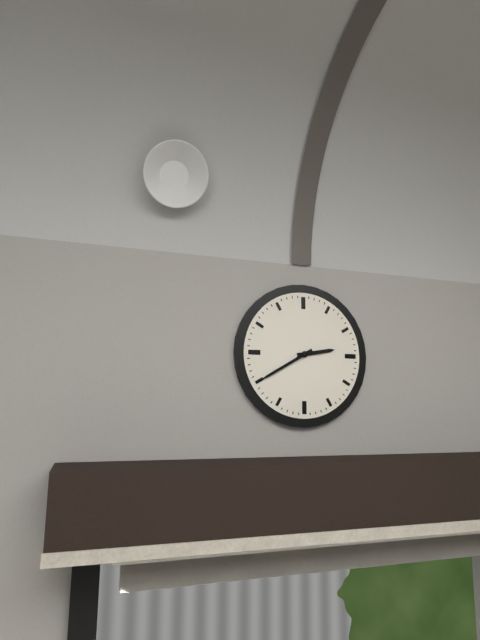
2h40
